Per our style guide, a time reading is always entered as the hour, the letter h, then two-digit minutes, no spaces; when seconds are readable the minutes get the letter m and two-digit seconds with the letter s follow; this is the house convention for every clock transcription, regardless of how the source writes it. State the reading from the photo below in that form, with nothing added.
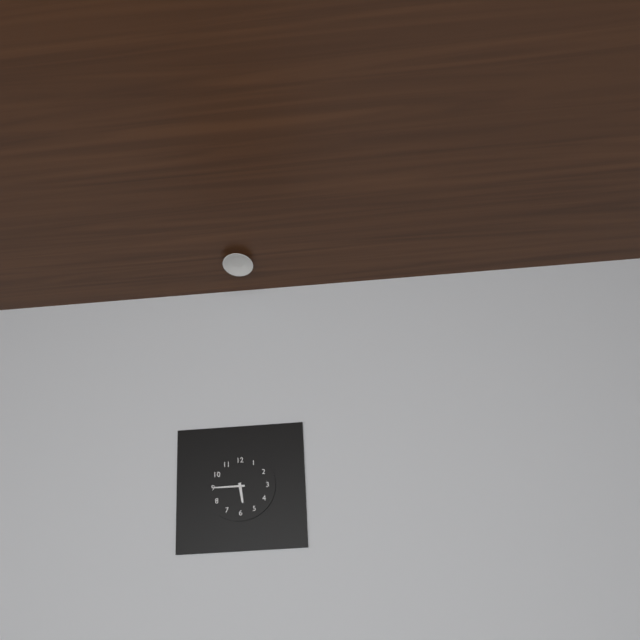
5h45
